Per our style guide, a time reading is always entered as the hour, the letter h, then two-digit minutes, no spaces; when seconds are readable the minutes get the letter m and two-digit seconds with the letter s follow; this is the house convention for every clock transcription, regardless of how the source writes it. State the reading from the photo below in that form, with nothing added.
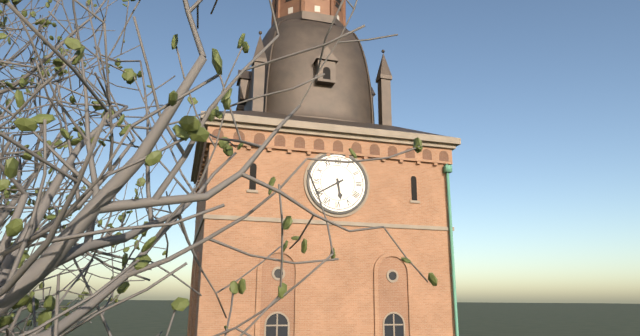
5h40
